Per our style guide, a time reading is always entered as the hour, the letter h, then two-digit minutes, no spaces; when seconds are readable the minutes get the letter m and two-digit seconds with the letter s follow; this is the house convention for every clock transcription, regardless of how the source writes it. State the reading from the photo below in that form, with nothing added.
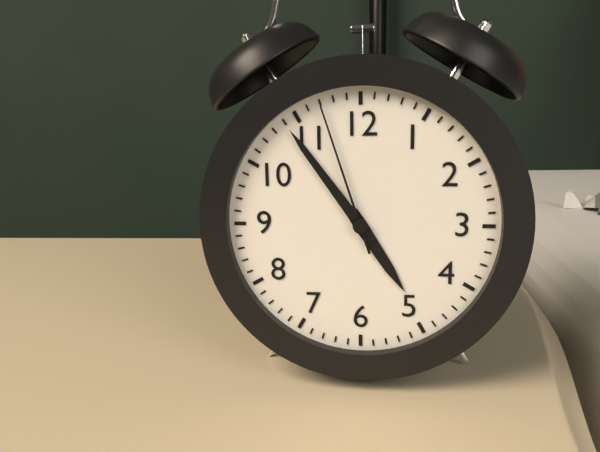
4h54m57s
